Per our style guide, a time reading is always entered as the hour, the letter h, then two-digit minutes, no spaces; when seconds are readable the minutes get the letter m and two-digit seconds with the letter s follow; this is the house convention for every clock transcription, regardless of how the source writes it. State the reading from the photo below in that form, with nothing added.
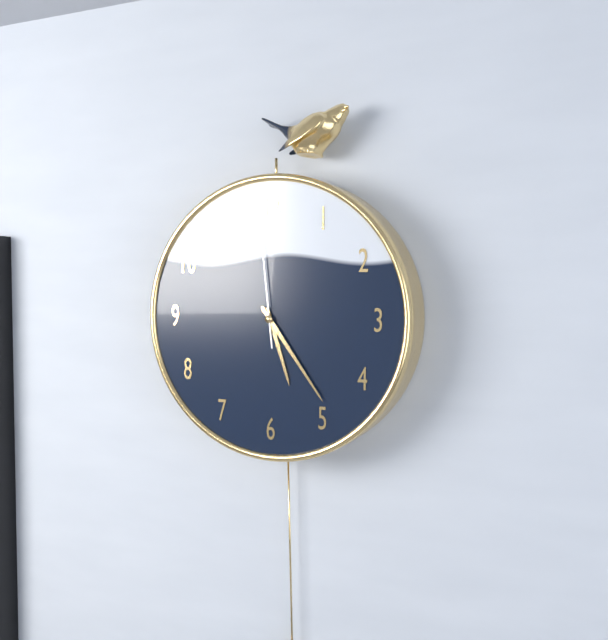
5h24m59s
